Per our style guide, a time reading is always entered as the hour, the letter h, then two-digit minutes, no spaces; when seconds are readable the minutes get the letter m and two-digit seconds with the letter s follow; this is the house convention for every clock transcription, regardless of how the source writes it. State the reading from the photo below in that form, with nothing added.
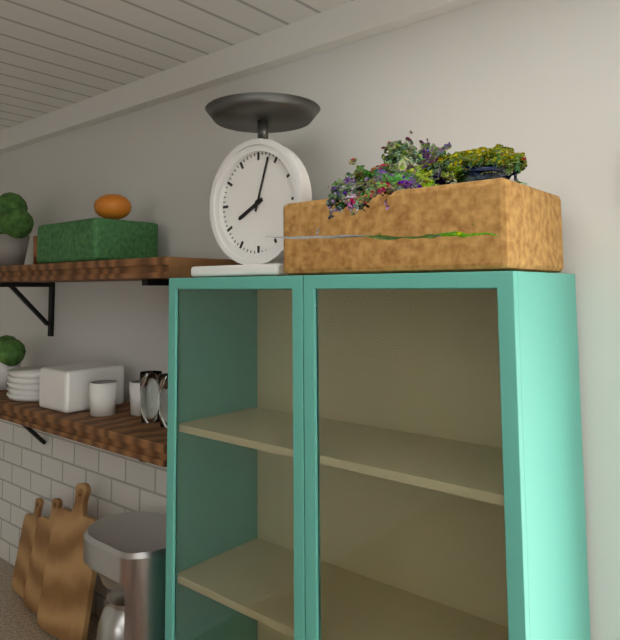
8h03
